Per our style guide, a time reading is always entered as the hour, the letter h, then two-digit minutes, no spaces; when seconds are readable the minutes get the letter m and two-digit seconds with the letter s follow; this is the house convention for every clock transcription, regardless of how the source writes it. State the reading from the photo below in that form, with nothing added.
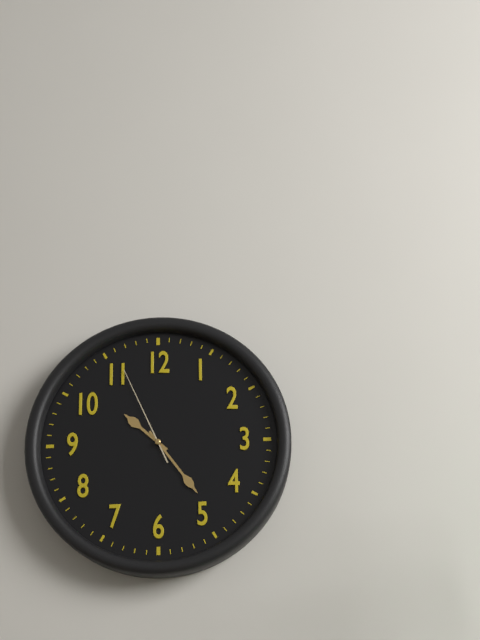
10h24m56s
